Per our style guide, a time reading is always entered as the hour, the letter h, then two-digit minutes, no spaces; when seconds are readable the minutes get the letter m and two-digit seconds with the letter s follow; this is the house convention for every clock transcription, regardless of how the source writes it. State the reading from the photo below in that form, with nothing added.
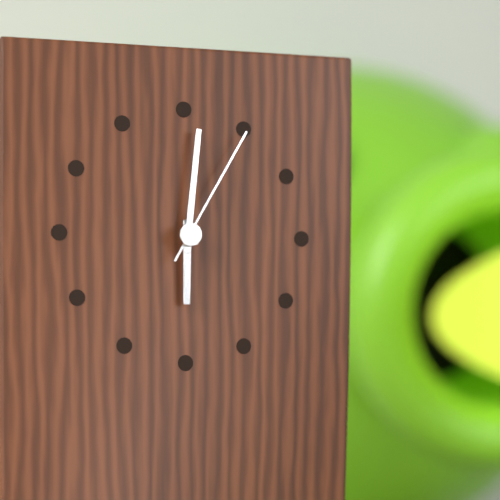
6h01m05s
